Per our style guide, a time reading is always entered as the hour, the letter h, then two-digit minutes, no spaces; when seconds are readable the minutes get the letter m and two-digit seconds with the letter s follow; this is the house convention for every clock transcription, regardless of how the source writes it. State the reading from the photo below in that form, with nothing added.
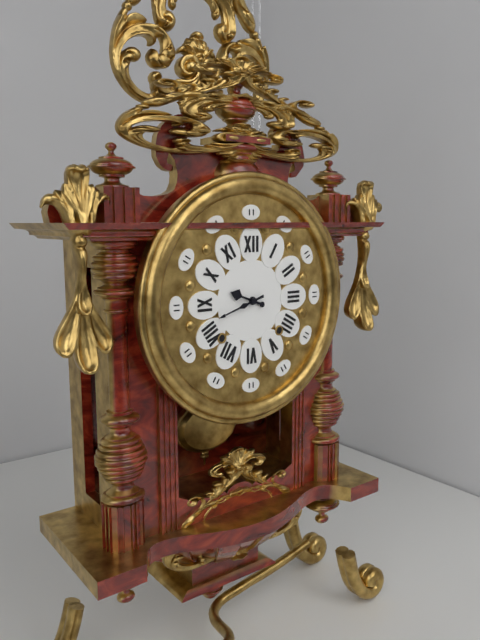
9h42
